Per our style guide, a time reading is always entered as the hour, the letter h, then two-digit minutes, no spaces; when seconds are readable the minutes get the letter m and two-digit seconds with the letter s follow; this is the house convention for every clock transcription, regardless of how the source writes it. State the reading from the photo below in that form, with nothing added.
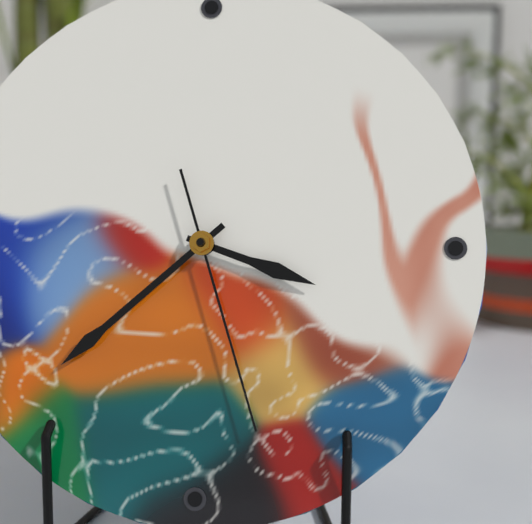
3h38m27s
